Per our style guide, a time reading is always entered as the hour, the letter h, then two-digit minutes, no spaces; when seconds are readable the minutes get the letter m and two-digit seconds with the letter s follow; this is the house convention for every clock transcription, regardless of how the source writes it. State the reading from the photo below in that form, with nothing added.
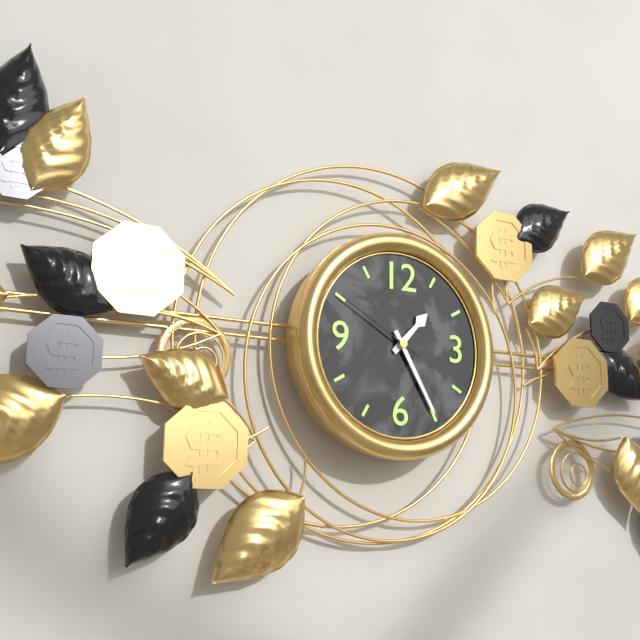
1h25m50s
